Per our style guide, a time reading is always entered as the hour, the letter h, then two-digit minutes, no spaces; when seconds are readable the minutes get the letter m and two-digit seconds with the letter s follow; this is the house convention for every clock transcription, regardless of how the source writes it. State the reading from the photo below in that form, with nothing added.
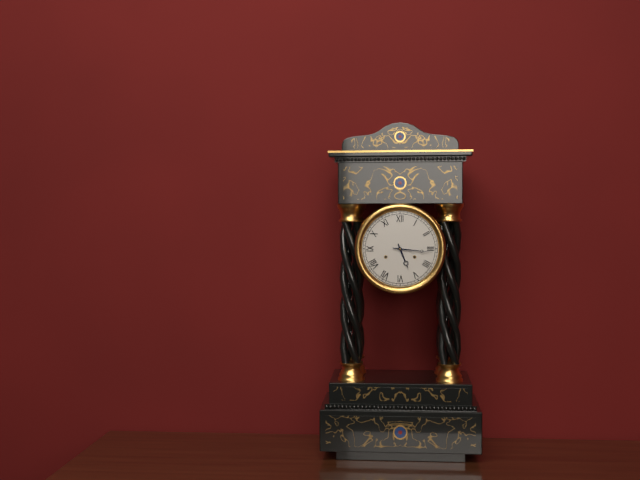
5h16
